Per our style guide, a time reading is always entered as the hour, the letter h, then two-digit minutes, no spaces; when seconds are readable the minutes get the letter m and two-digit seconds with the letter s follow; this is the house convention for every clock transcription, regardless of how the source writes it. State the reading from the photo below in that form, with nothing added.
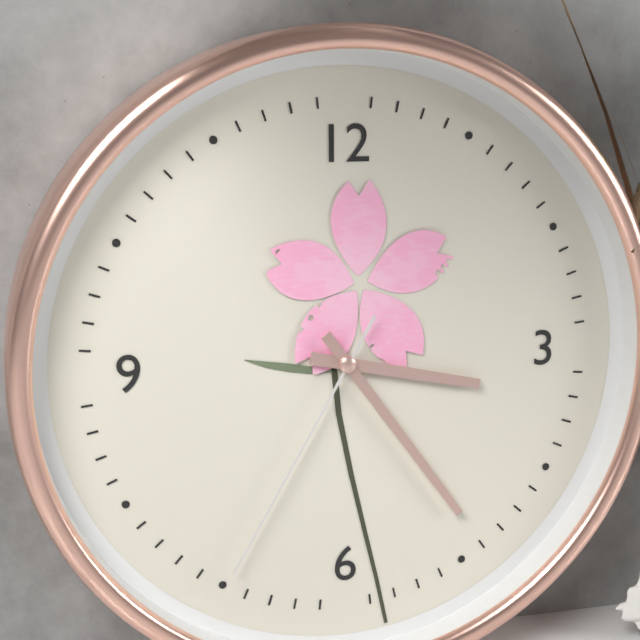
3h24m35s
